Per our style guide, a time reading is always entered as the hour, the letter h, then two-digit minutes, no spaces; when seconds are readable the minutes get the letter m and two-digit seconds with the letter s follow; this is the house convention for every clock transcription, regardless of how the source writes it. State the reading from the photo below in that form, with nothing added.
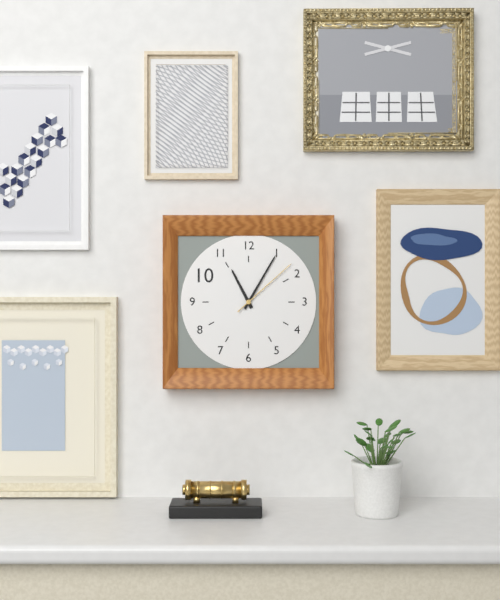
11h05m08s
